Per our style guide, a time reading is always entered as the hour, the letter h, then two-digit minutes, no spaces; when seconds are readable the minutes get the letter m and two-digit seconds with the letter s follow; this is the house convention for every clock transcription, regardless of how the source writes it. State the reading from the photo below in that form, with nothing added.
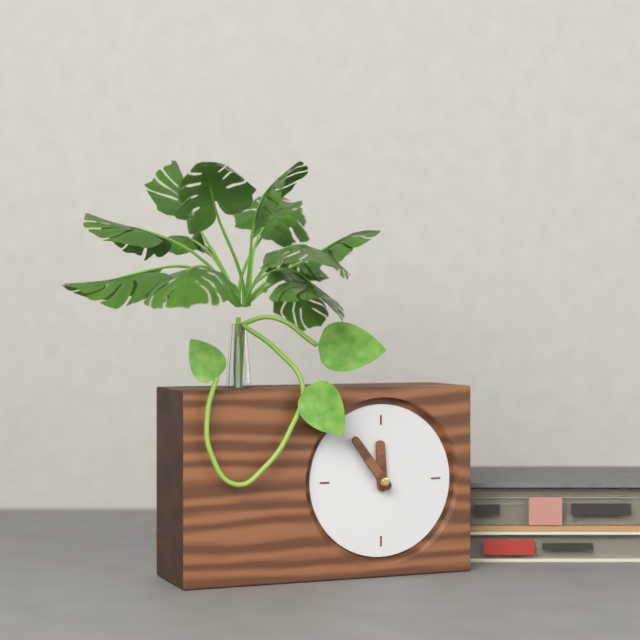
11h54
